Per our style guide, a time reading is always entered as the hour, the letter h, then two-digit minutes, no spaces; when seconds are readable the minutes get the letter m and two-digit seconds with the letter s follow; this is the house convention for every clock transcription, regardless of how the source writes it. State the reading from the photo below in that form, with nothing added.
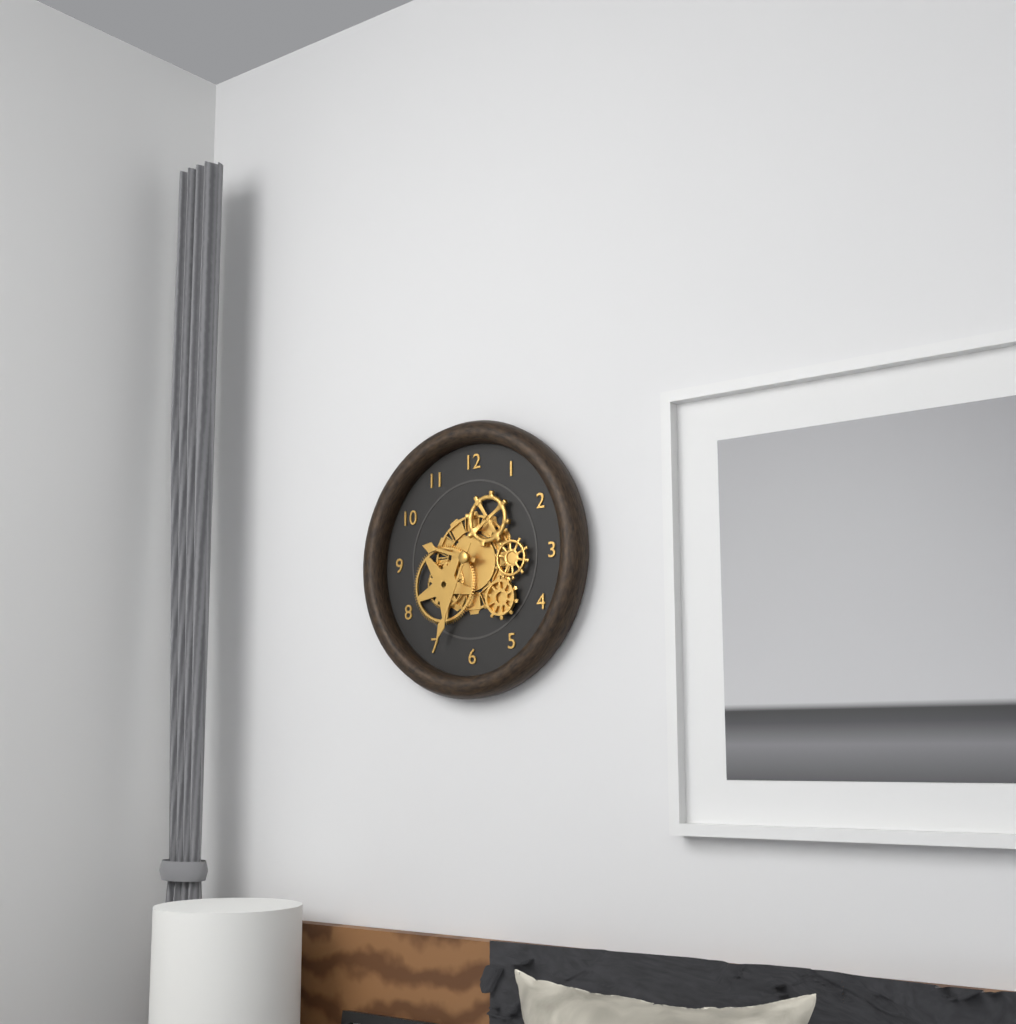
9h34
